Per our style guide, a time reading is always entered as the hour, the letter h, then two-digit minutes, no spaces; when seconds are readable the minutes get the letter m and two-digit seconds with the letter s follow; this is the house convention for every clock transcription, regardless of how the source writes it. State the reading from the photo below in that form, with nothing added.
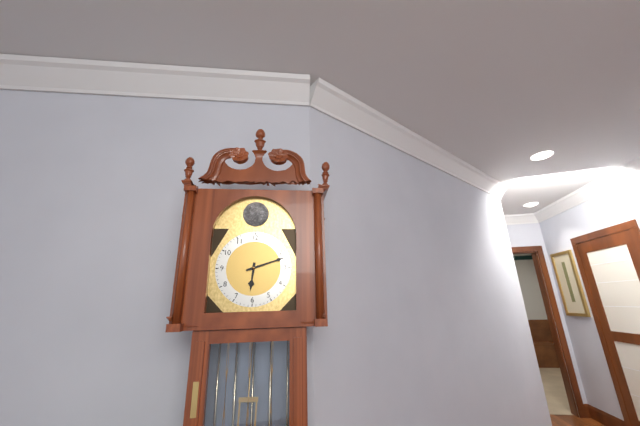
6h12
